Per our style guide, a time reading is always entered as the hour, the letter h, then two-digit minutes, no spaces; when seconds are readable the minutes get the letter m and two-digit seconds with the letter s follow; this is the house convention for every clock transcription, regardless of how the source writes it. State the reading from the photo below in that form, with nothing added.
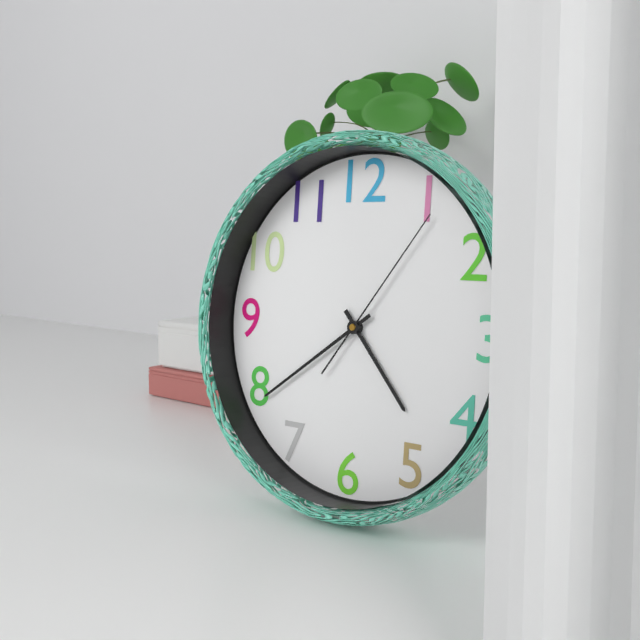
4h39m06s
